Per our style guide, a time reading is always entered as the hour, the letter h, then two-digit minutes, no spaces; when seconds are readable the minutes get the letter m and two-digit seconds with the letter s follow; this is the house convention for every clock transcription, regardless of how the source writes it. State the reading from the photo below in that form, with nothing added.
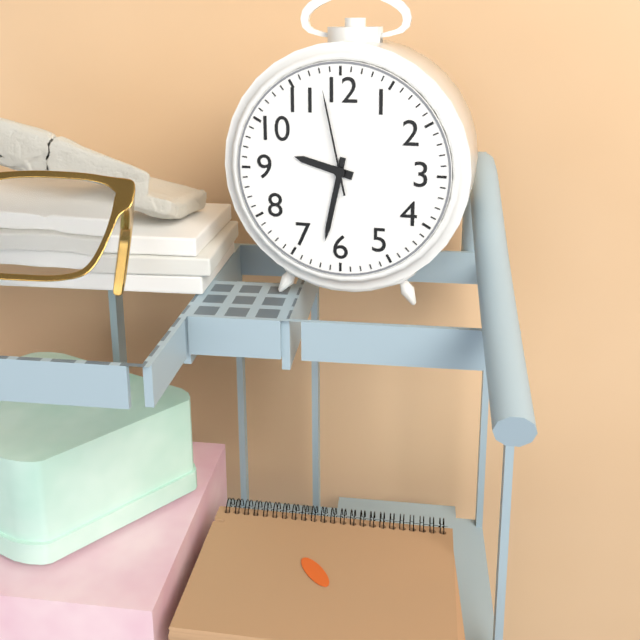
9h32m58s
